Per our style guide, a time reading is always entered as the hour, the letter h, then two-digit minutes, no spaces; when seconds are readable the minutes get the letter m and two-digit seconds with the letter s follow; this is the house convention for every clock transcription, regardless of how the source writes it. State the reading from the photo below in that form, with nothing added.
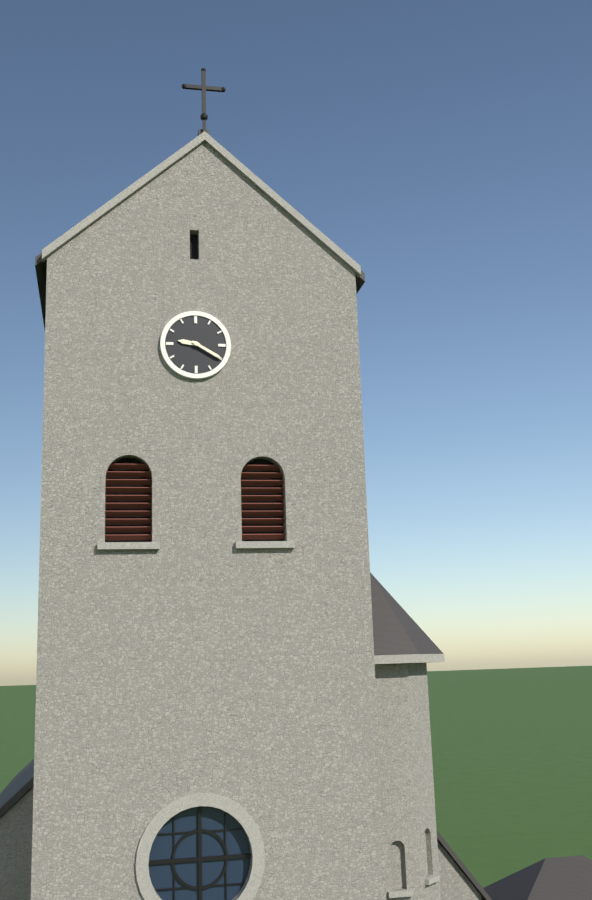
9h20
